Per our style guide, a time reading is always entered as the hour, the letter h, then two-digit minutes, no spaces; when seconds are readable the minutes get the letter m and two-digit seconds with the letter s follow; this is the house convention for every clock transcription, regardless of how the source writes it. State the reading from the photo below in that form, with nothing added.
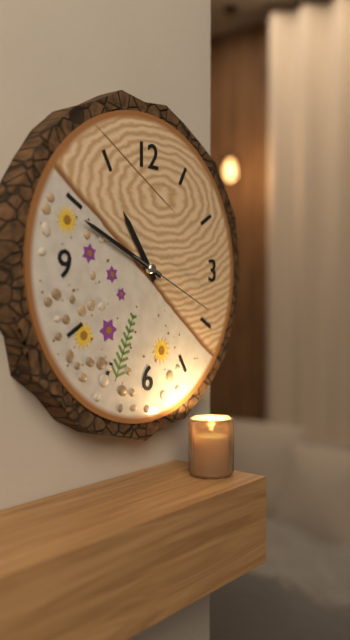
10h49m19s
